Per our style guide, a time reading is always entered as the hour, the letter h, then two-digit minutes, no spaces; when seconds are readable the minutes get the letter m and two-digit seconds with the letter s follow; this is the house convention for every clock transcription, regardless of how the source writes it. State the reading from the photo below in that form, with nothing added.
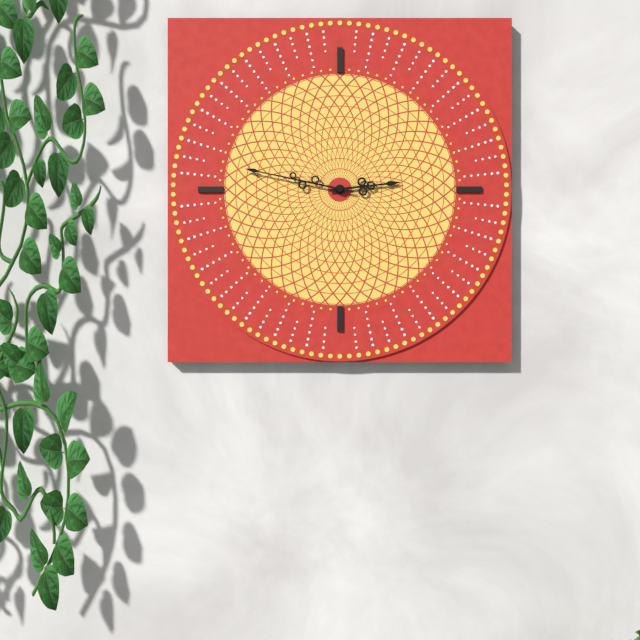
2h47
